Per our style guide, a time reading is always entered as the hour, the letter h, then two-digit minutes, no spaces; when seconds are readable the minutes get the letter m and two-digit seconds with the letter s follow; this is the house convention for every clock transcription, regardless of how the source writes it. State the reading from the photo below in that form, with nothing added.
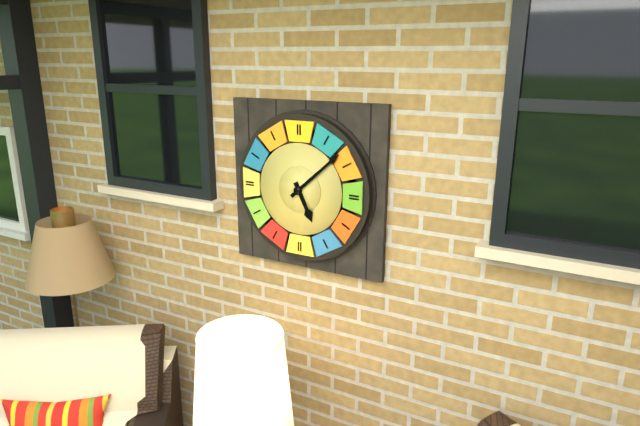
5h08
